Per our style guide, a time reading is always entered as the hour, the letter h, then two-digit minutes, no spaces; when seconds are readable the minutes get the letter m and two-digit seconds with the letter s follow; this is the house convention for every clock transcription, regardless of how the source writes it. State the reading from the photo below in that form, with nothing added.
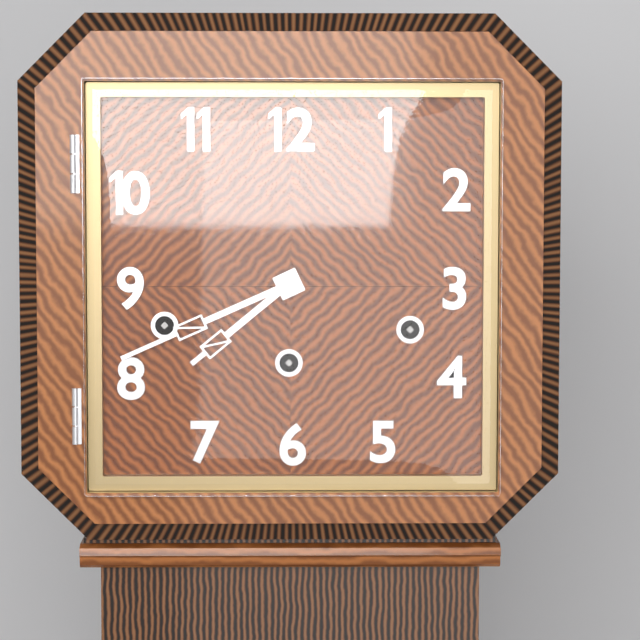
7h41
